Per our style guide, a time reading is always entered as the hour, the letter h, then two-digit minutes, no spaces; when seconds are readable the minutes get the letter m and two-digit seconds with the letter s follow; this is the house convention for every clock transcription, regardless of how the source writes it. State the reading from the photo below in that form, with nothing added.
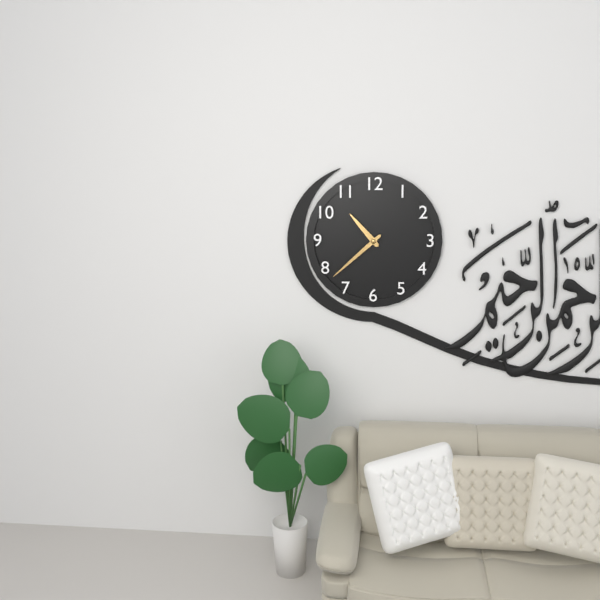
10h38
